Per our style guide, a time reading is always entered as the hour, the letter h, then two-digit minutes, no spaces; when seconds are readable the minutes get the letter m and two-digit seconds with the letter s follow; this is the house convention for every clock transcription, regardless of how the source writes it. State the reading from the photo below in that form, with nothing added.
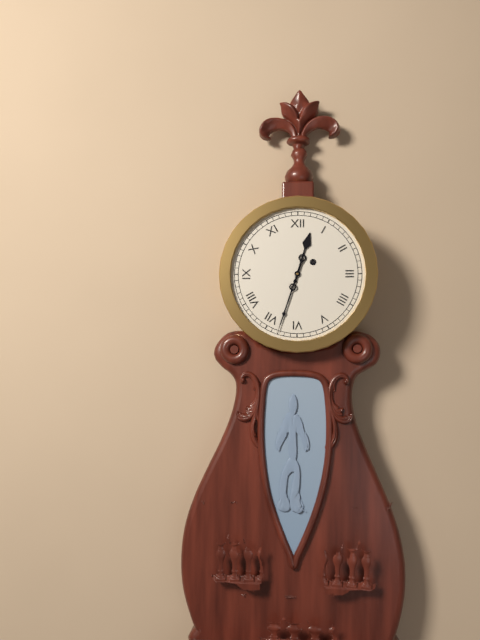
12h33
